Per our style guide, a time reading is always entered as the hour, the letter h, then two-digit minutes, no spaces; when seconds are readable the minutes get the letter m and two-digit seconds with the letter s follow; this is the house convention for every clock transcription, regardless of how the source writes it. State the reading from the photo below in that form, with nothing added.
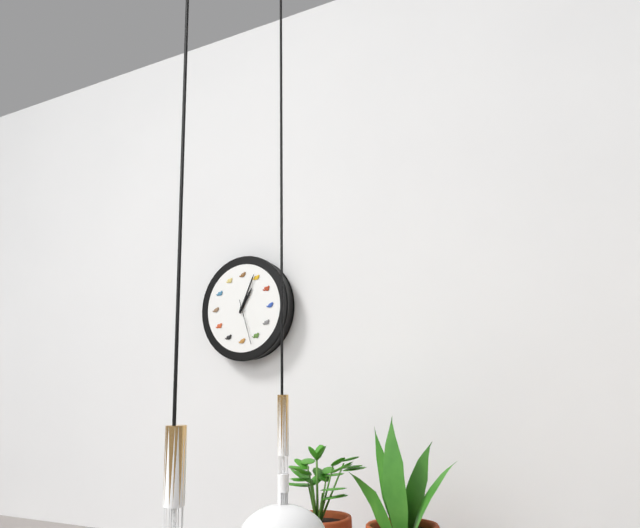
1h04
